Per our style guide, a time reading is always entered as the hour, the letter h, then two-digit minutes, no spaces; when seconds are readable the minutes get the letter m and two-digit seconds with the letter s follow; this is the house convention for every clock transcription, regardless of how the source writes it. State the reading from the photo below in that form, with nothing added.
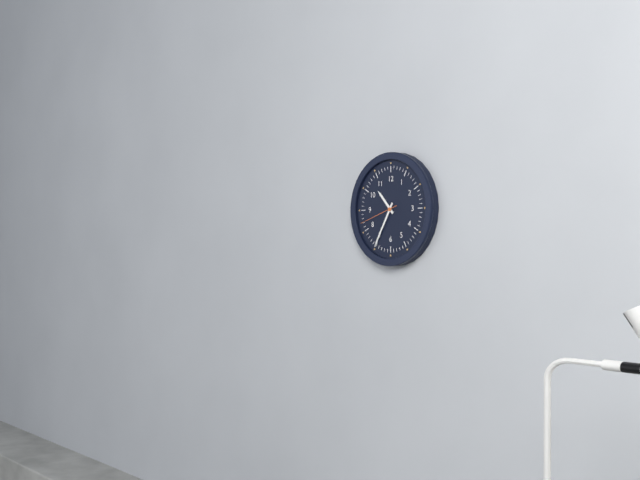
10h35
